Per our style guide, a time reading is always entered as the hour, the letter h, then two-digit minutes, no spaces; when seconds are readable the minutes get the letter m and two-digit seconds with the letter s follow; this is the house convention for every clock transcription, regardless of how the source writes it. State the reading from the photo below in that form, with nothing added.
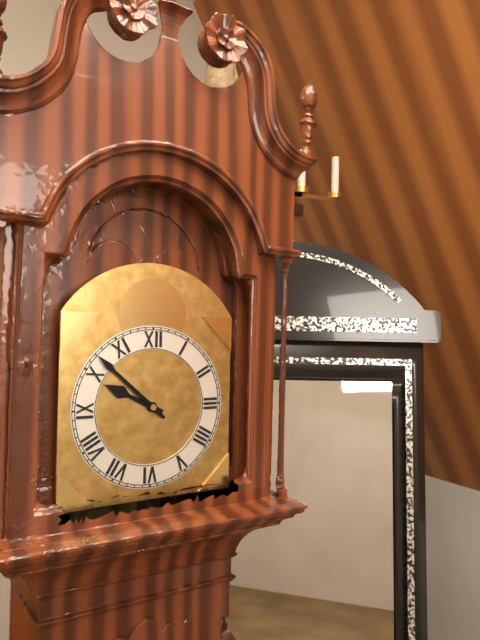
9h52
